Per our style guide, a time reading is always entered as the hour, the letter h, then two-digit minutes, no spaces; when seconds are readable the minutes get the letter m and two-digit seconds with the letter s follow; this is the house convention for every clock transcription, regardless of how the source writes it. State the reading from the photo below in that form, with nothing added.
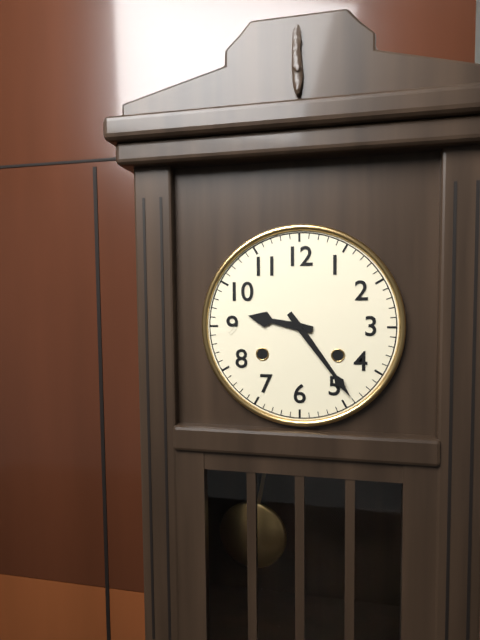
9h24
